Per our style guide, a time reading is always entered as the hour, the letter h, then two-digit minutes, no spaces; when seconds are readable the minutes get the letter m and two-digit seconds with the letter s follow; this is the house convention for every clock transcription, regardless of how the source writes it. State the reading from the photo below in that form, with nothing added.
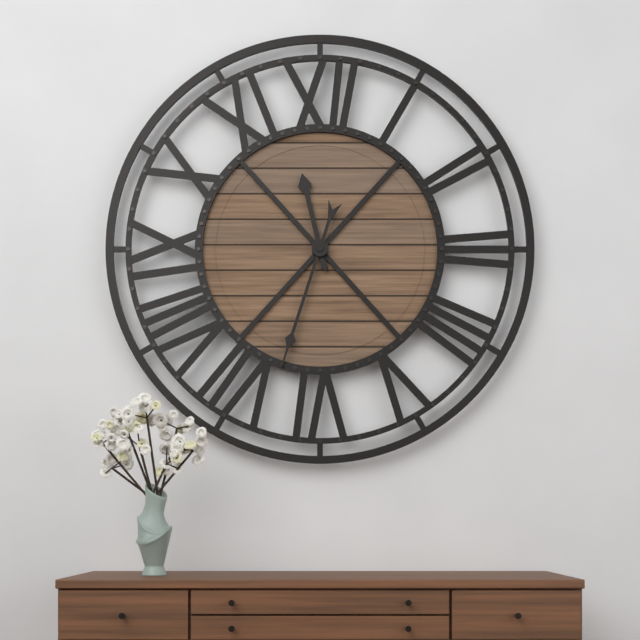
11h33
